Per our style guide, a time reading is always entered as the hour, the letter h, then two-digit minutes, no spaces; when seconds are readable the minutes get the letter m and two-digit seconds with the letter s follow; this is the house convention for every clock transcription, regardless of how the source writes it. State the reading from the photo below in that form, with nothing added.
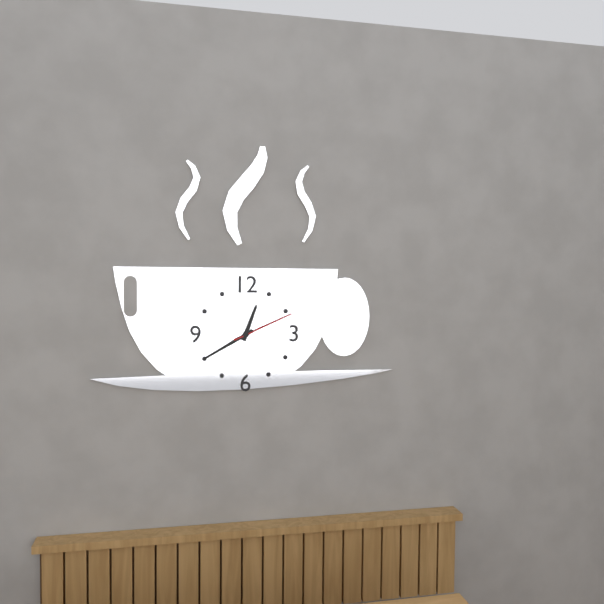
12h40m11s
